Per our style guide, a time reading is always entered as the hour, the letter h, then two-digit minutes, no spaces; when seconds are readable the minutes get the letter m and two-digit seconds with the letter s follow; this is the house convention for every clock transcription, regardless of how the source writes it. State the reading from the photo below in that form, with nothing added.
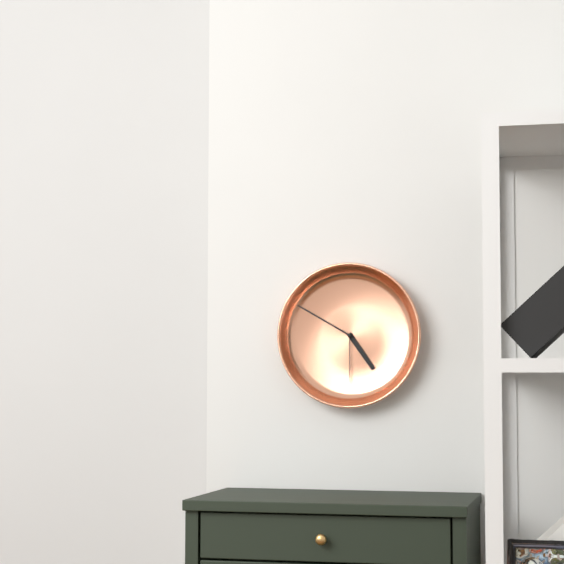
4h50m30s
